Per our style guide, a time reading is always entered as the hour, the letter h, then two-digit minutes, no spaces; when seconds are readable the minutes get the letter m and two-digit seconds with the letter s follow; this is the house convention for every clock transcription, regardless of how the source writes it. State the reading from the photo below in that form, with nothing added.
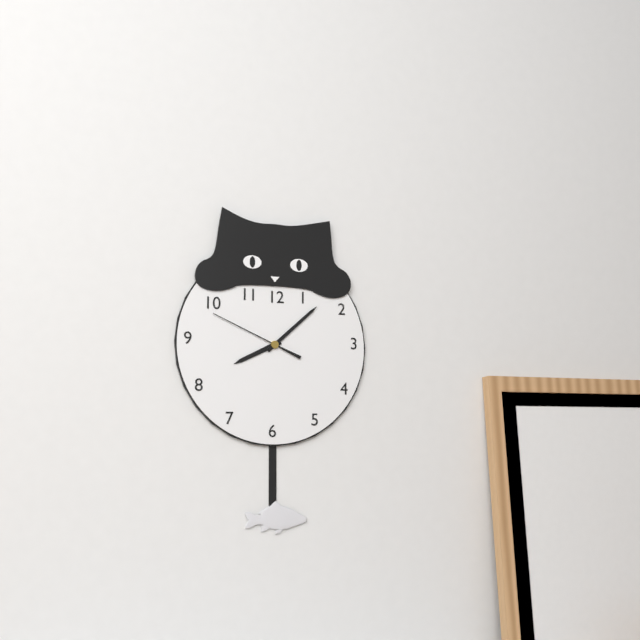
8h08m49s
